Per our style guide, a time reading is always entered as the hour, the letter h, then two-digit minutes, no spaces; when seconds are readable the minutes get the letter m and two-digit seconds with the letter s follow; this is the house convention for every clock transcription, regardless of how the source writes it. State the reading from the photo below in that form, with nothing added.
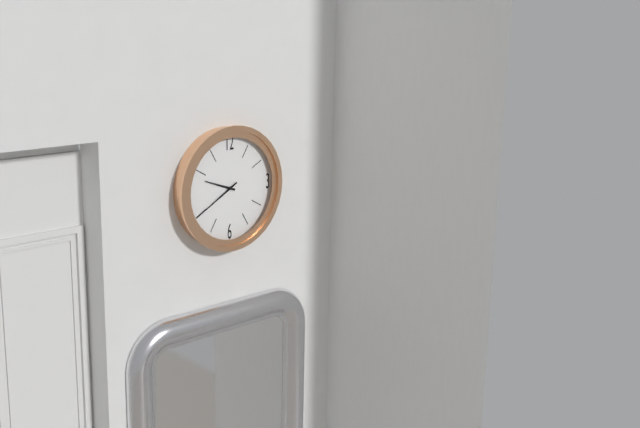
9h40
